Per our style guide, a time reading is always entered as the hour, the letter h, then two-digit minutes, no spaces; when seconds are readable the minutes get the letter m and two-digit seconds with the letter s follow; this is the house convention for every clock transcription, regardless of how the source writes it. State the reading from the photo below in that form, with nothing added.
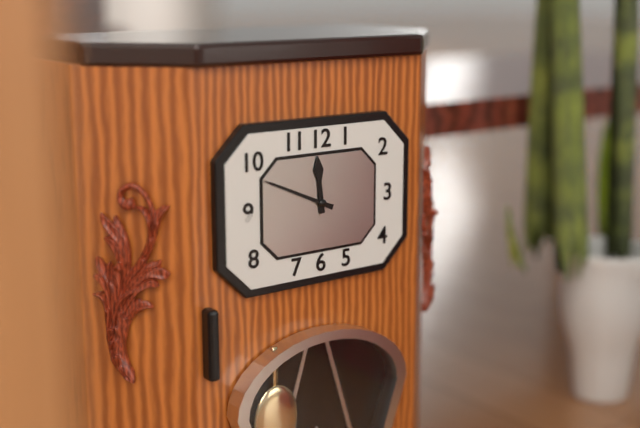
11h49
